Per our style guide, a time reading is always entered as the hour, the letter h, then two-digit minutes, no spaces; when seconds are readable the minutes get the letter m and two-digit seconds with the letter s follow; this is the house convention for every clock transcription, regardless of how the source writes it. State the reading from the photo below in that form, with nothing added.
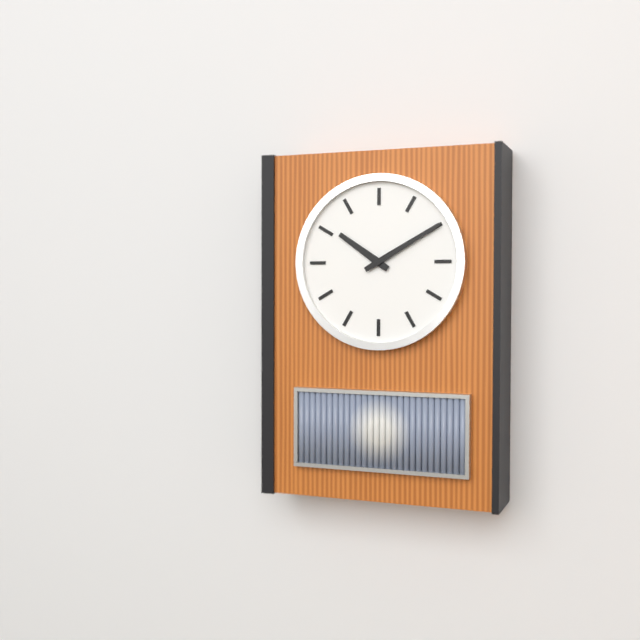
10h10
